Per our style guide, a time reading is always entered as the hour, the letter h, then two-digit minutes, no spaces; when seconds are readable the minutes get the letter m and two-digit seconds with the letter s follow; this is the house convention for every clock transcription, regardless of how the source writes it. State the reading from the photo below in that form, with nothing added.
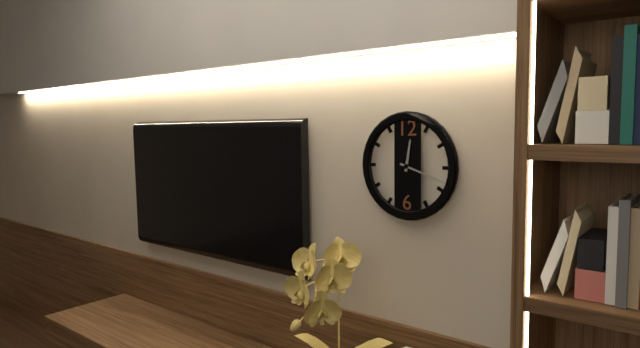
12h18
